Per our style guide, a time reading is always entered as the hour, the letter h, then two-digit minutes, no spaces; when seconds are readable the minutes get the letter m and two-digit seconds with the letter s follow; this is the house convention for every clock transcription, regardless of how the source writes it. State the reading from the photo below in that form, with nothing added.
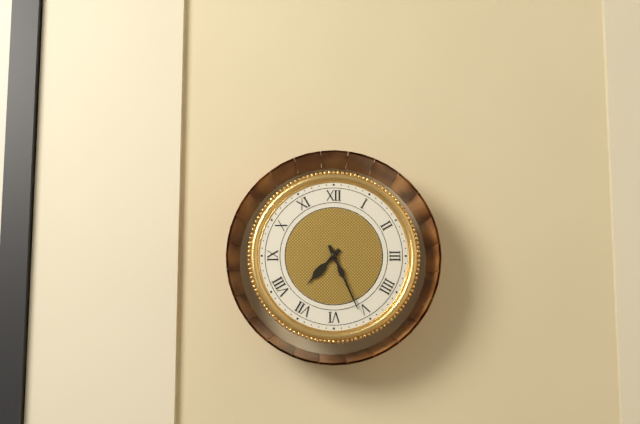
7h26
